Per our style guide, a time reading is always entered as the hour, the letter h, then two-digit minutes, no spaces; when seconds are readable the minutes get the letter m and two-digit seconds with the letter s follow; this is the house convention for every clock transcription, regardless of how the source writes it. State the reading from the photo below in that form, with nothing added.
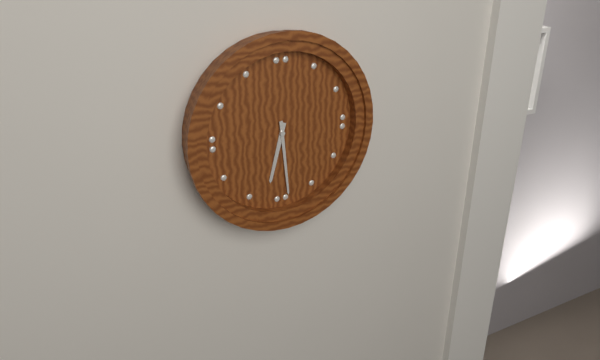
6h29
